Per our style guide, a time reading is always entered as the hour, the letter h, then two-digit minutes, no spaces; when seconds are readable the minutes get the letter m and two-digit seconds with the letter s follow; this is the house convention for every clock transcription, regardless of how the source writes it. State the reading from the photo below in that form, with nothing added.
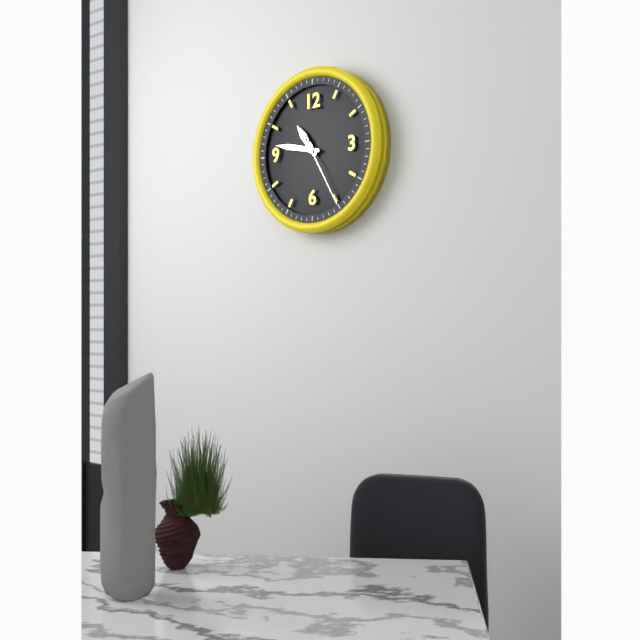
10h47m25s
